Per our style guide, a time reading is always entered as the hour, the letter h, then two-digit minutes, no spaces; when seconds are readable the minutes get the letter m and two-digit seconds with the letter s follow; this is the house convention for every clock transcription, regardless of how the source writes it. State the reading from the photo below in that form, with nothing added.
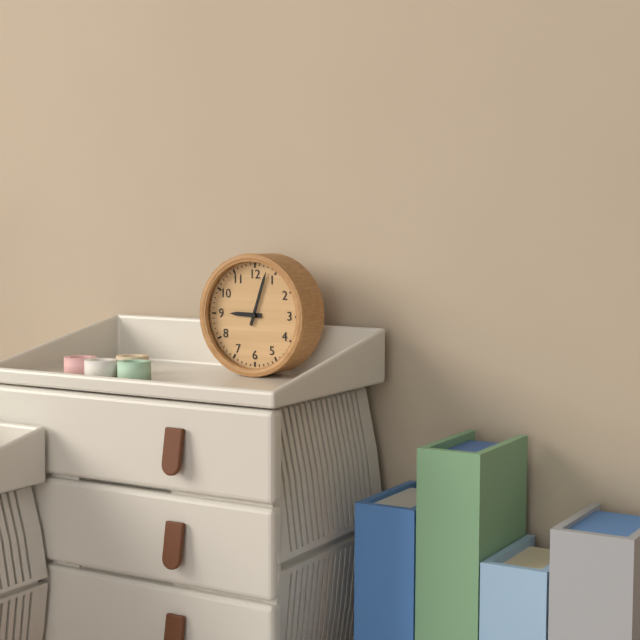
9h03
